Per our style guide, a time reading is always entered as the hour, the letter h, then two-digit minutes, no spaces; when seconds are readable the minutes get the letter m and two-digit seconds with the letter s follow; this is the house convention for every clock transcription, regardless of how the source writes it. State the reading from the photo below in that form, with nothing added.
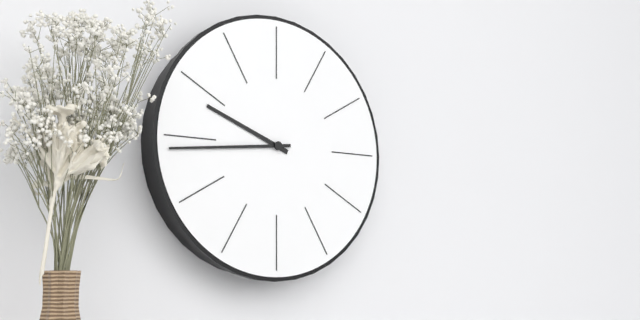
9h44
